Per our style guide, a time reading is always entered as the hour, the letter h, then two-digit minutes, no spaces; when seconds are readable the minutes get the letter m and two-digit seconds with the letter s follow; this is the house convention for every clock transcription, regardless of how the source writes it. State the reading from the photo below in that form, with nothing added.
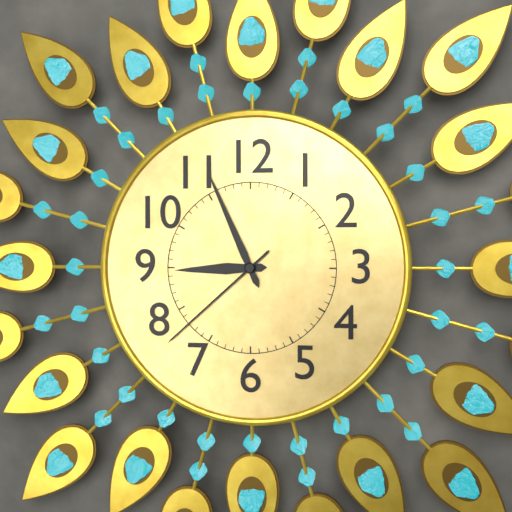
8h56m38s
